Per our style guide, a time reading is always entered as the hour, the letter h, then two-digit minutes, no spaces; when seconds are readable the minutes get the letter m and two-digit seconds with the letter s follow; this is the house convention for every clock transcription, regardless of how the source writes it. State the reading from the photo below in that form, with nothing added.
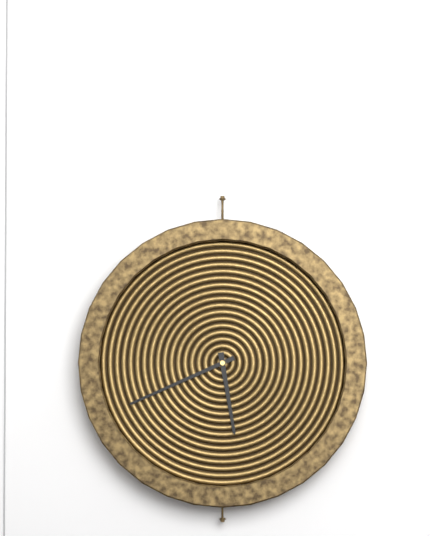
5h41
